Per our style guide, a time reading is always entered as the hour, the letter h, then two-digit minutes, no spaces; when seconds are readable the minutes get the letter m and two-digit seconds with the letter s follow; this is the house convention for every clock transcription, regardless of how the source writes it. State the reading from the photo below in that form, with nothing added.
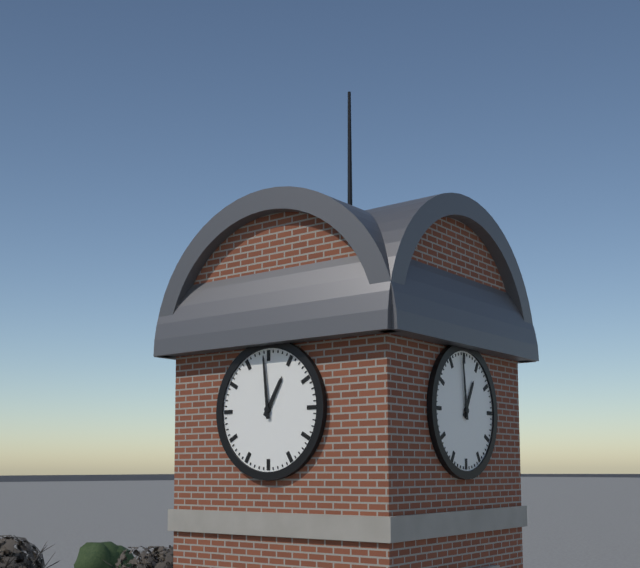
12h59
